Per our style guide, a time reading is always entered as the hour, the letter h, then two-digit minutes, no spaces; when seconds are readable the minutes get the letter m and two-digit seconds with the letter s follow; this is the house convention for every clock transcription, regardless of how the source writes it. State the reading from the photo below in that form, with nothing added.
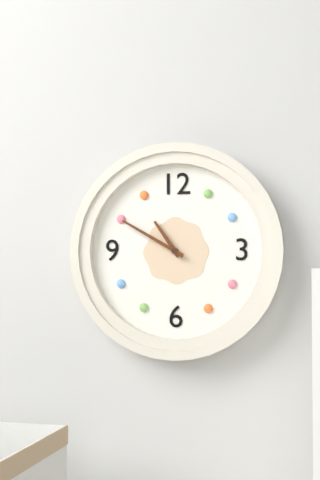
10h50
